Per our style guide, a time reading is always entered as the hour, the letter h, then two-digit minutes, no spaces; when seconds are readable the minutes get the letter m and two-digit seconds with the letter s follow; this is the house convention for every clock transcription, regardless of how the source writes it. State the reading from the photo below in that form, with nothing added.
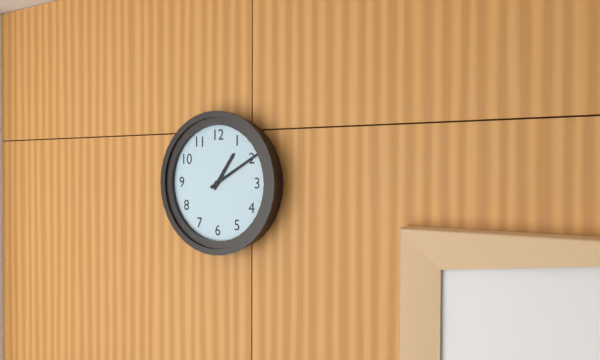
1h10
